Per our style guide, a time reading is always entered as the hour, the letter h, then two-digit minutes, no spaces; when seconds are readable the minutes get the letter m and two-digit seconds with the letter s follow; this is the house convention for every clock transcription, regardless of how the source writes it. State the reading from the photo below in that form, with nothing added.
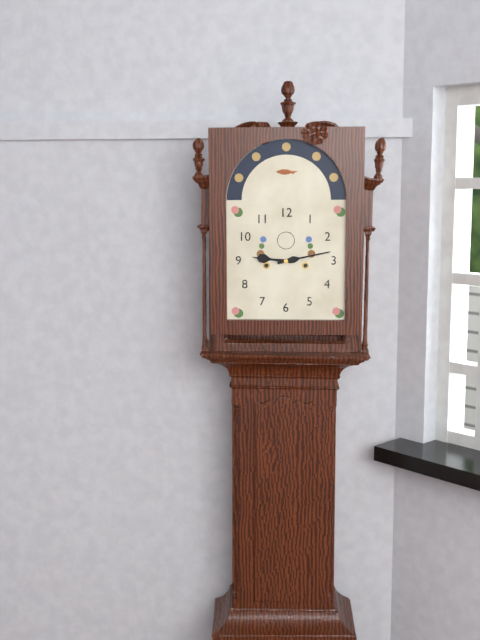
9h13
